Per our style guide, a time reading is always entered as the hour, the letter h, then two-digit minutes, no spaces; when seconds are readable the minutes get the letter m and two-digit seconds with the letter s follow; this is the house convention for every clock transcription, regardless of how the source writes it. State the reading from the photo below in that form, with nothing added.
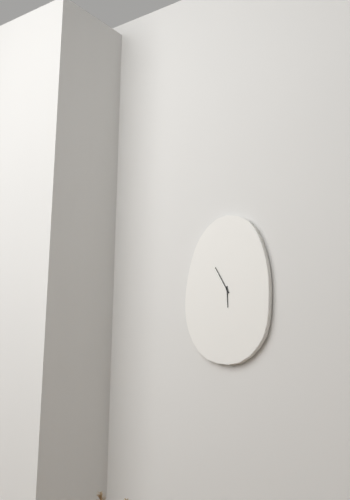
5h55
